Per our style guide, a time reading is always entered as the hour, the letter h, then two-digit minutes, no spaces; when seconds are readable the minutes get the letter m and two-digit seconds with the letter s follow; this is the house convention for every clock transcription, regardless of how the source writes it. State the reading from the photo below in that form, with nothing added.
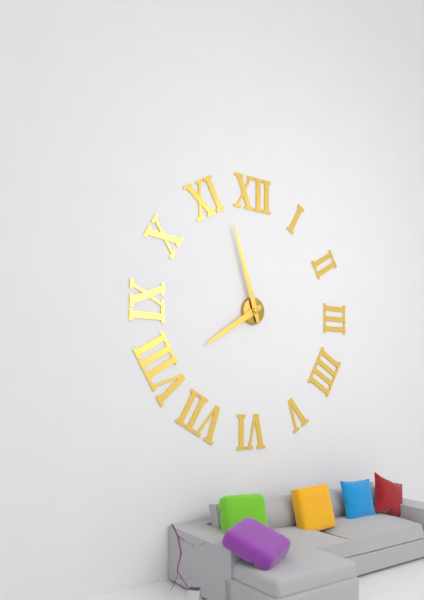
7h57
